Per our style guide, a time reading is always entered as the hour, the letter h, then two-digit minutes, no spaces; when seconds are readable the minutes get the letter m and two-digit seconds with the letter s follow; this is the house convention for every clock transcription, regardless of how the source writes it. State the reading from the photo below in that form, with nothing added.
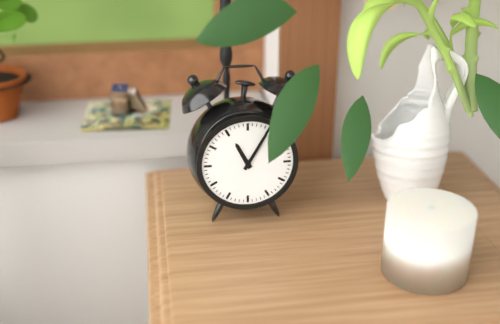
11h05
